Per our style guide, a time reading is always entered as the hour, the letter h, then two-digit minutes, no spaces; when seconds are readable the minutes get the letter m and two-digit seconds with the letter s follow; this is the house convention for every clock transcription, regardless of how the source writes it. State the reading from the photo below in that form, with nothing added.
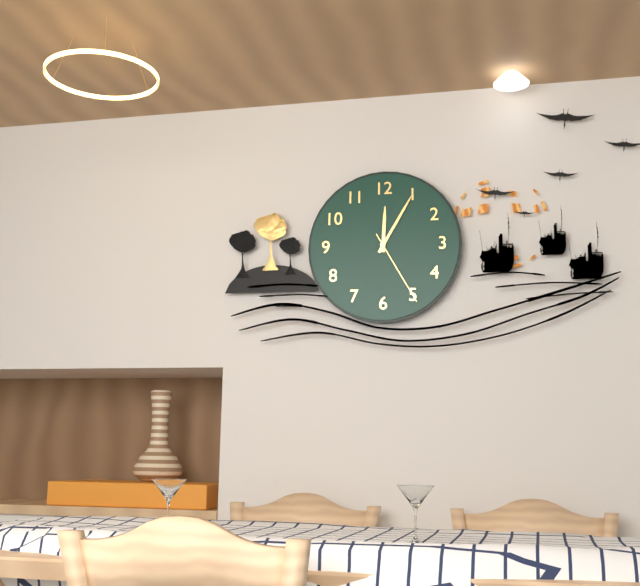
12h05m25s
